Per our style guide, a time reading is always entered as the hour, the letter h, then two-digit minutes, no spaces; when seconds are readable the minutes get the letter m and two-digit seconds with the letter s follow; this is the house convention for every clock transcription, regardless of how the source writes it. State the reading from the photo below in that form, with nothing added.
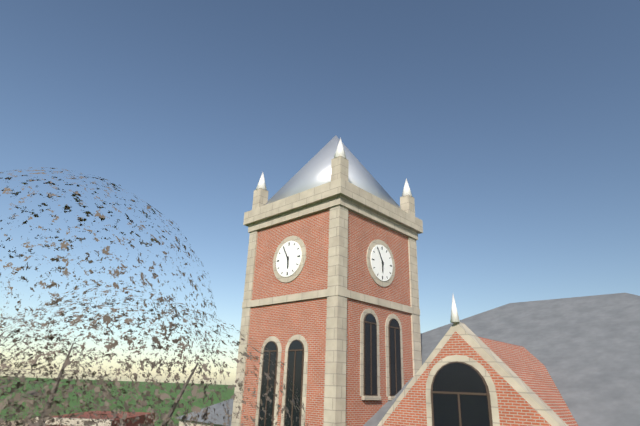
5h55
